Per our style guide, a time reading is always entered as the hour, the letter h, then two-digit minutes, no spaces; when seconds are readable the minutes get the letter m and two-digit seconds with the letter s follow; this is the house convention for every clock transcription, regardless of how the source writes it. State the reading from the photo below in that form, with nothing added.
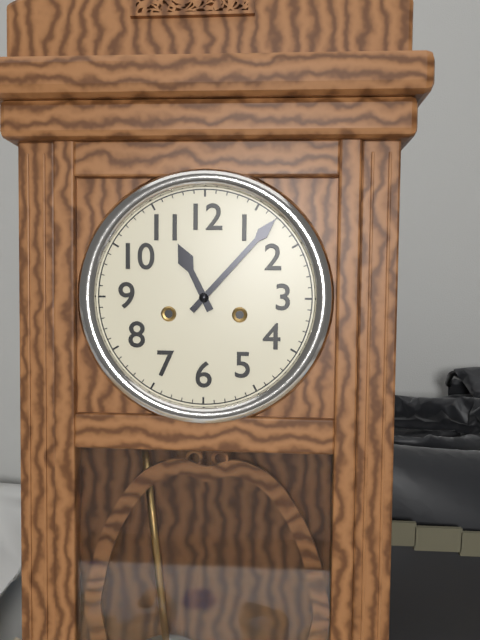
11h07
